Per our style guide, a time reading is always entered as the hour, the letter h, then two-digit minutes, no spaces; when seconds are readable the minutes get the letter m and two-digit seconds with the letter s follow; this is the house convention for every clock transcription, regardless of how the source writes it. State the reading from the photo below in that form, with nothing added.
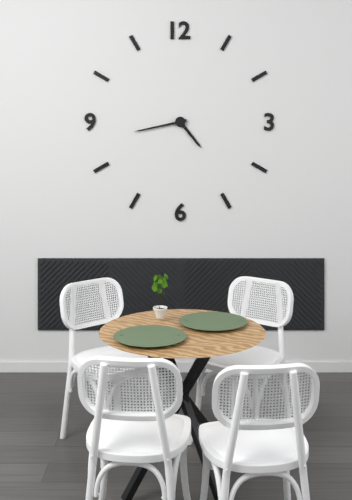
4h43
